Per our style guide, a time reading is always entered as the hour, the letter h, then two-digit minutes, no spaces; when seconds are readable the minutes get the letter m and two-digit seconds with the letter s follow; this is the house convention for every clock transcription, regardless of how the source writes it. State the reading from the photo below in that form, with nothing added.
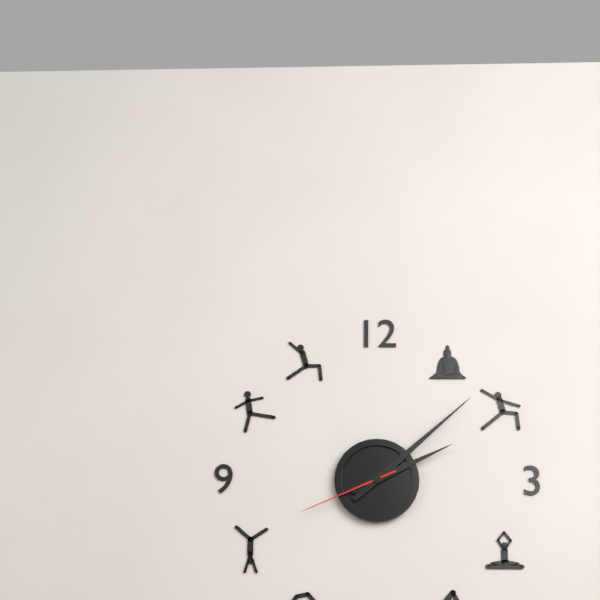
2h08m41s
